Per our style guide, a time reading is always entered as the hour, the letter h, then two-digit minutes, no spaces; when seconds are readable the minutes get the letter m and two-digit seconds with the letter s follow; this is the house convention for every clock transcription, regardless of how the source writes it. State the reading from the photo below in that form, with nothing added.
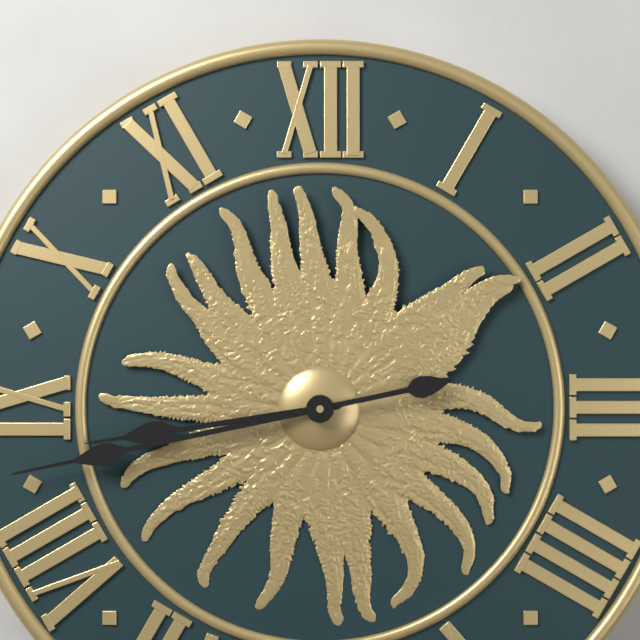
8h43
